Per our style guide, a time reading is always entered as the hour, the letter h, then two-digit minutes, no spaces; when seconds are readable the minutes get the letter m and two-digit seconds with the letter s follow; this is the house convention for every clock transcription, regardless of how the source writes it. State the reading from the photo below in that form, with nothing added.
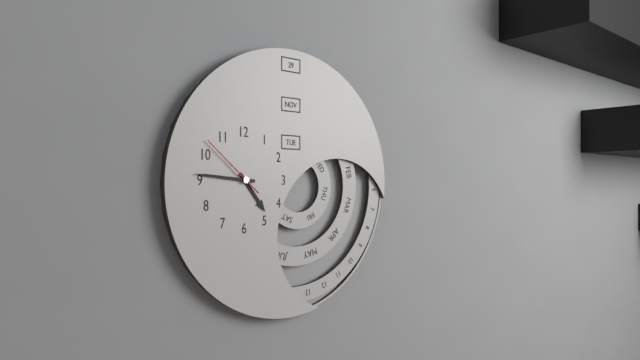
4h46m52s
